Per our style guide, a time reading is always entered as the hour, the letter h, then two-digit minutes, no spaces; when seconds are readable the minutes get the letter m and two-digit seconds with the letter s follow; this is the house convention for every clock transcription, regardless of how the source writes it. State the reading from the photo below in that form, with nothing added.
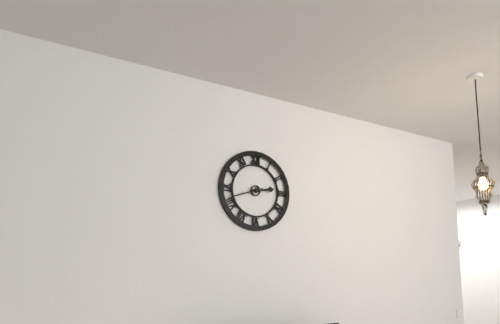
2h42
